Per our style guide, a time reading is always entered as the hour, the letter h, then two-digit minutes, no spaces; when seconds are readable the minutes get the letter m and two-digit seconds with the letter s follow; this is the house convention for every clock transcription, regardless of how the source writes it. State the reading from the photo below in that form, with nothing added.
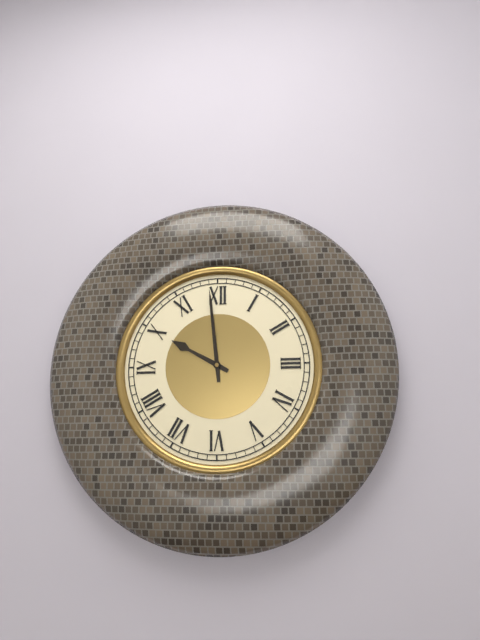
9h59
